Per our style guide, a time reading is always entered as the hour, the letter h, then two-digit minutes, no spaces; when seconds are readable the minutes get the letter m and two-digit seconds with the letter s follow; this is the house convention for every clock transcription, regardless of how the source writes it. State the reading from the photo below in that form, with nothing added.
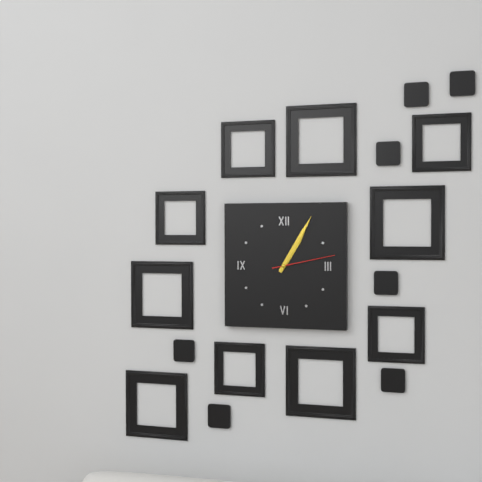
1h05m13s
